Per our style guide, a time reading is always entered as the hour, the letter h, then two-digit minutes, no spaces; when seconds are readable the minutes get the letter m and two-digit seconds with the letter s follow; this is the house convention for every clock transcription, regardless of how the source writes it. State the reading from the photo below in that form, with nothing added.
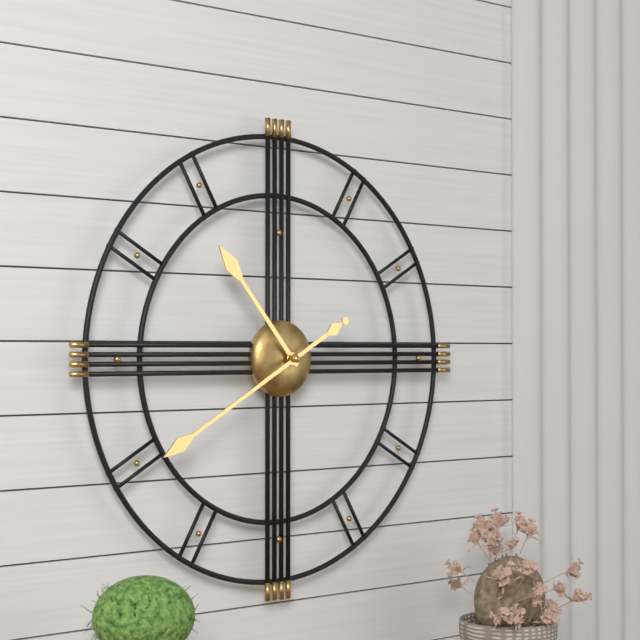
10h40
